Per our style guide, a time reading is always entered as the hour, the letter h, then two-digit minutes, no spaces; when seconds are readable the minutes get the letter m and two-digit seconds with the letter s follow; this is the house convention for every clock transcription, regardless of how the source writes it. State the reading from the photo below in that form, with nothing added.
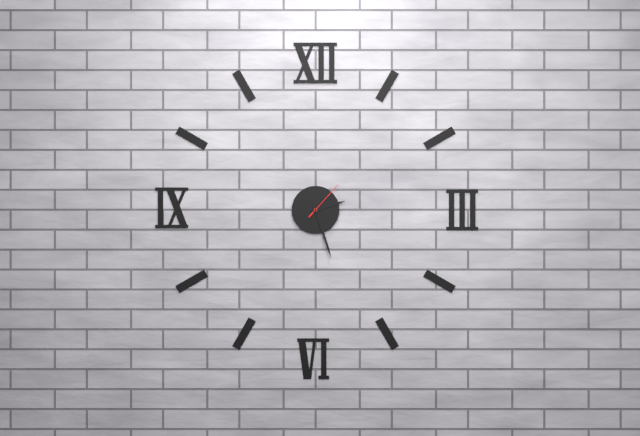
2h27
